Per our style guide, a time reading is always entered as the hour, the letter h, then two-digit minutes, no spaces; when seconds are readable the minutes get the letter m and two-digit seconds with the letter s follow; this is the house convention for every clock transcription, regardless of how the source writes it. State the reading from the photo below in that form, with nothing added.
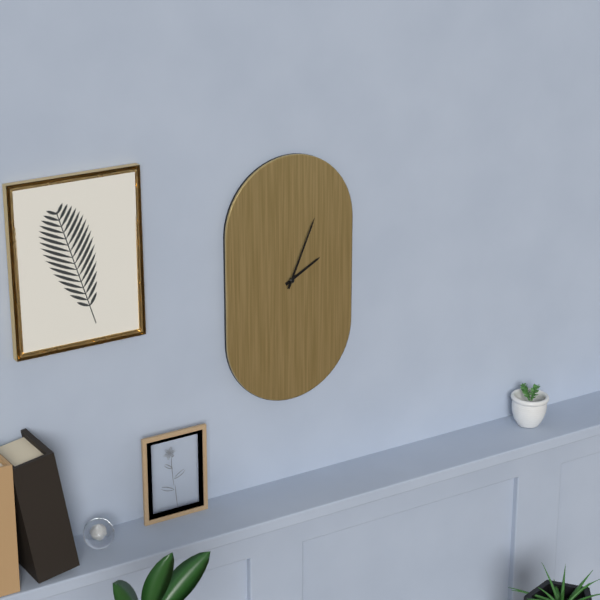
2h04
